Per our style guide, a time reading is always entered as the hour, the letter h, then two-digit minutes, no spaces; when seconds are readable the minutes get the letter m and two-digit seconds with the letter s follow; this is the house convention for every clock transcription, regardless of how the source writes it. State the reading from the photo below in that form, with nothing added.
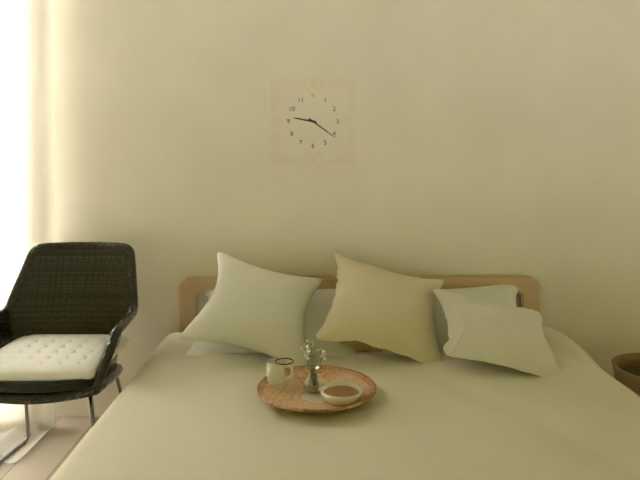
9h21
